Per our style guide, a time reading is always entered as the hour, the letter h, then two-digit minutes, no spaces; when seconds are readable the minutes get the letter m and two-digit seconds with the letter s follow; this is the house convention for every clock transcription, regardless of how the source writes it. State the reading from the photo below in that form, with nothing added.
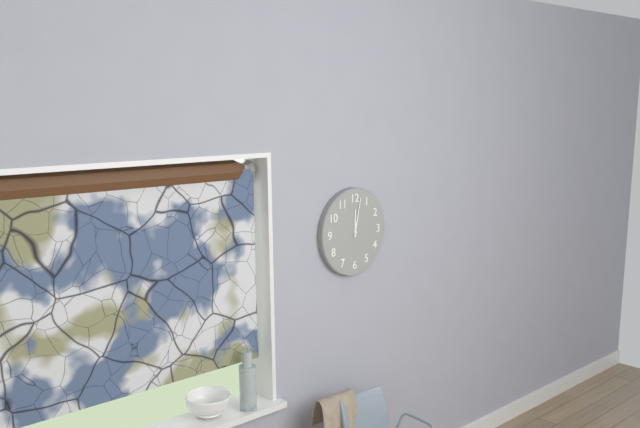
12h02
